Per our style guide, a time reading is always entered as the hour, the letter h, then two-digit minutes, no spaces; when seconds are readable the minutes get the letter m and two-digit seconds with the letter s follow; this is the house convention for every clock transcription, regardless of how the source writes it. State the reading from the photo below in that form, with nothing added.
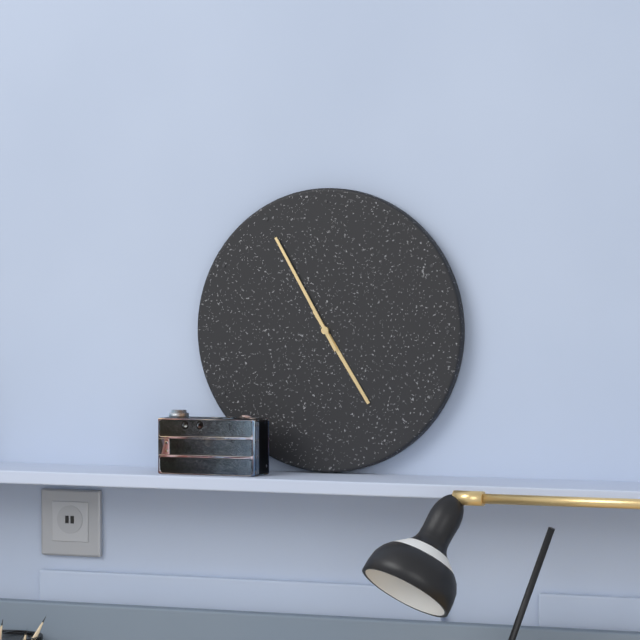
4h55
